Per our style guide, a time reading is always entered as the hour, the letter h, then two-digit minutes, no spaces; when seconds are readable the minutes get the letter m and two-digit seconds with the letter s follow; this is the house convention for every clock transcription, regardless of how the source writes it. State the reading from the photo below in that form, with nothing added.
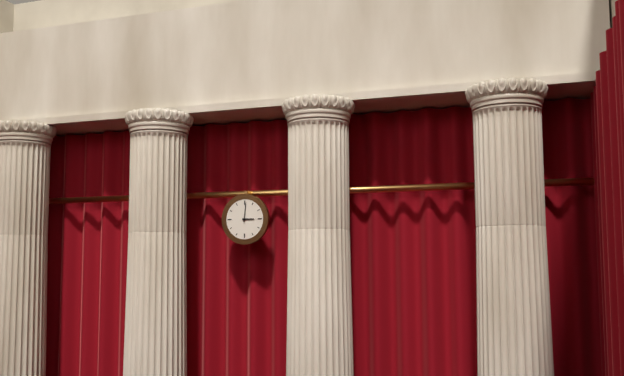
3h01
